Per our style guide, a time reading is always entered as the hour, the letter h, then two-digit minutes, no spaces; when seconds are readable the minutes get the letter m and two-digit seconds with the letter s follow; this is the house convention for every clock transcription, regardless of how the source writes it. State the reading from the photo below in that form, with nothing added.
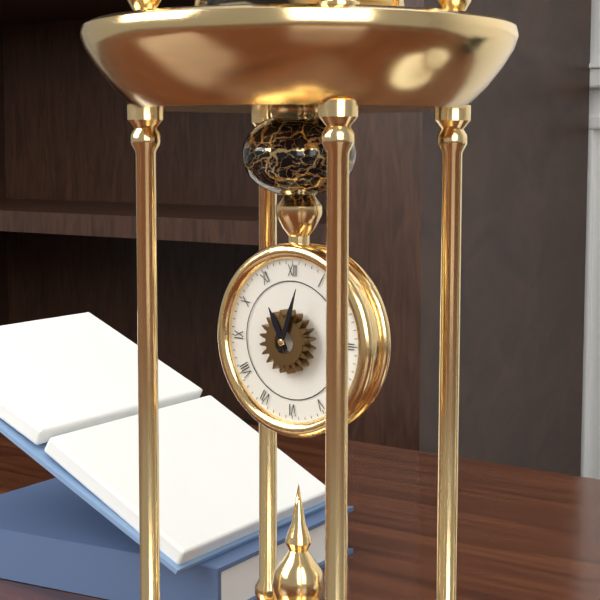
11h03
